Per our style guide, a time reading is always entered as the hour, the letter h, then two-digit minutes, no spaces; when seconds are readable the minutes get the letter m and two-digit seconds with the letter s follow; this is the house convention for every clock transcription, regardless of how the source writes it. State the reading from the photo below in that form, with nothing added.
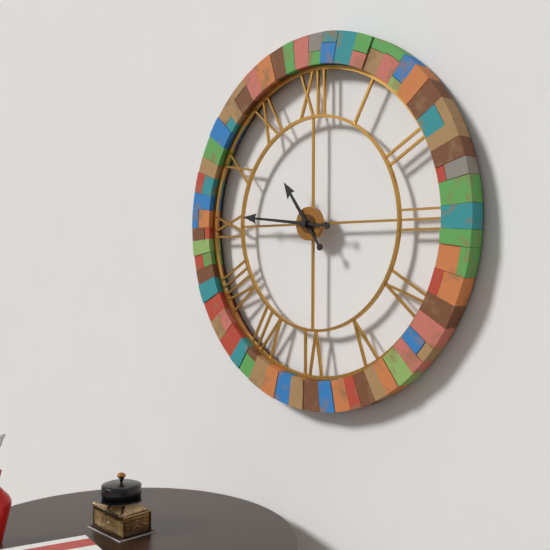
10h46
